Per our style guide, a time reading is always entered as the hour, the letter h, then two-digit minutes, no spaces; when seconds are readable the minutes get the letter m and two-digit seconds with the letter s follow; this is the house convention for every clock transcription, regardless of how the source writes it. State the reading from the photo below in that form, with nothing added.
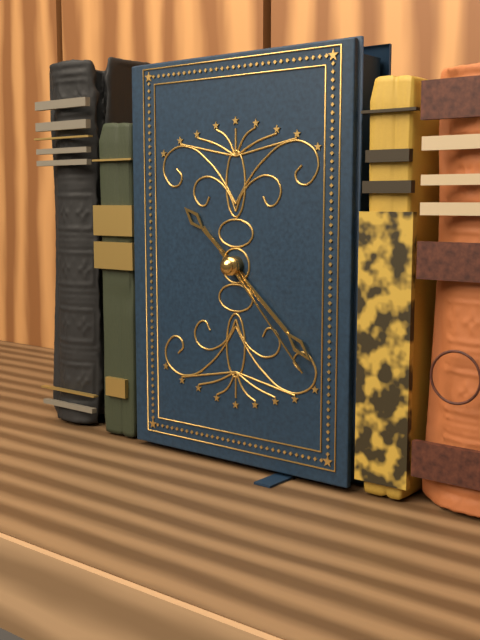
10h22m23s
